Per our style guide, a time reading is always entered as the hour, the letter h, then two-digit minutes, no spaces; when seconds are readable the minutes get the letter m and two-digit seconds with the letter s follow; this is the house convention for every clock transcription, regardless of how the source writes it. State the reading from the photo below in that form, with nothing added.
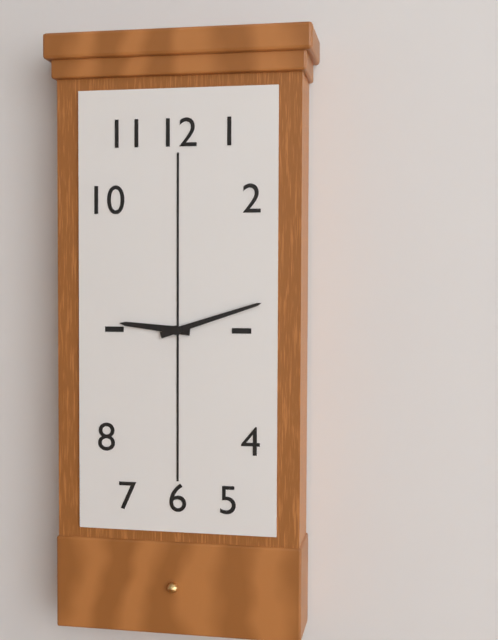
9h12
